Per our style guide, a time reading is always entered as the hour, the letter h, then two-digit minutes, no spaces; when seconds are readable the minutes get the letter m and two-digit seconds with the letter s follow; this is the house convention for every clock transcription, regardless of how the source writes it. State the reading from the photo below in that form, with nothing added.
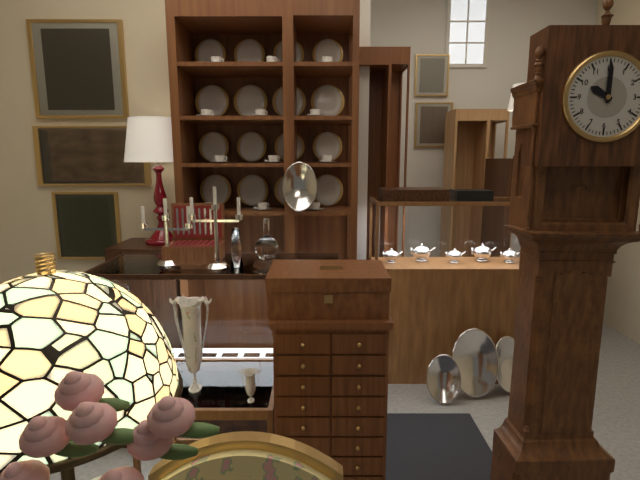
10h00
